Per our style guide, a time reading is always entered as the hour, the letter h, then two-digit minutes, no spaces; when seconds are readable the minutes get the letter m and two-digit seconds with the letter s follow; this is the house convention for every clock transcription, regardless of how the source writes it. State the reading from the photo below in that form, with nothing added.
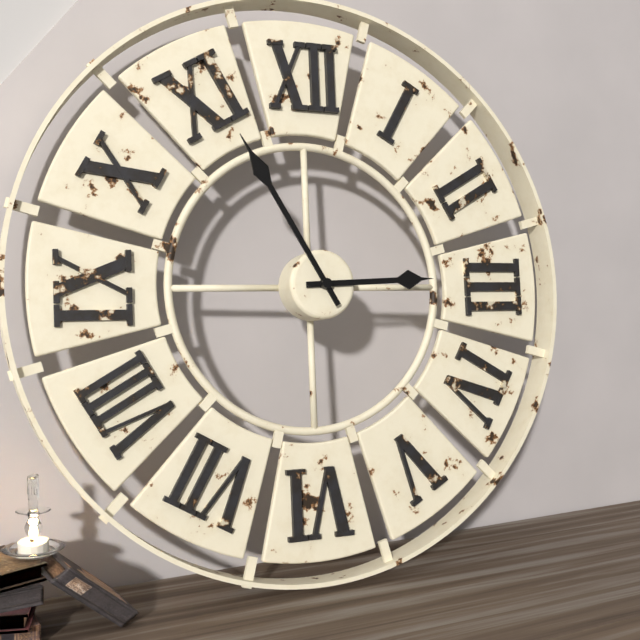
2h55
